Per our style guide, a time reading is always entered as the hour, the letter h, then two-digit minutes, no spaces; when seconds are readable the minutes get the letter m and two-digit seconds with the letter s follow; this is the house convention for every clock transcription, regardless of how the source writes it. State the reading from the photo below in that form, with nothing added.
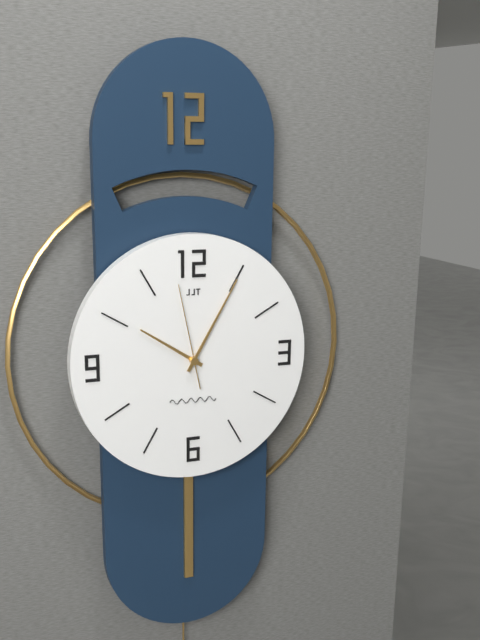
10h05m58s
